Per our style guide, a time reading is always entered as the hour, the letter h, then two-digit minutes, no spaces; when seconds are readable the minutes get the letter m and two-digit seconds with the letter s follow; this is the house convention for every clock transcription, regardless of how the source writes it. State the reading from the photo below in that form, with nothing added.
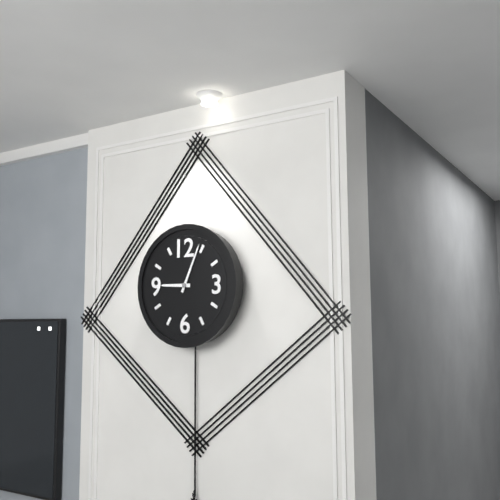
9h04
